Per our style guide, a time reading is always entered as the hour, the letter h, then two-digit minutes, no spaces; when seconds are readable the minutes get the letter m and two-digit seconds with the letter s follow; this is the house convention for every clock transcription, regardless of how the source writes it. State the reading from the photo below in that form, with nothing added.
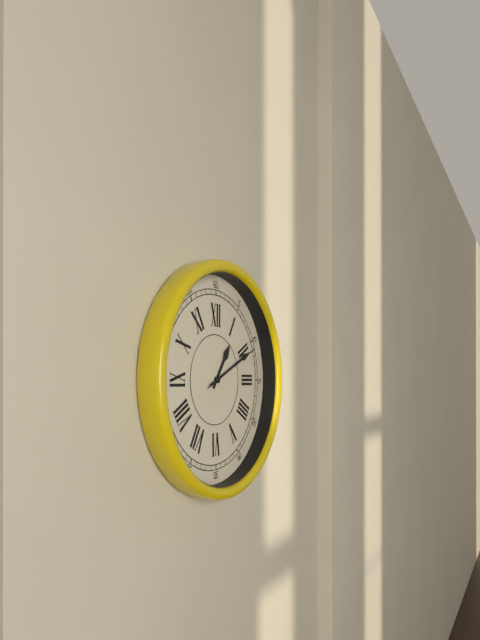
1h11m11s
